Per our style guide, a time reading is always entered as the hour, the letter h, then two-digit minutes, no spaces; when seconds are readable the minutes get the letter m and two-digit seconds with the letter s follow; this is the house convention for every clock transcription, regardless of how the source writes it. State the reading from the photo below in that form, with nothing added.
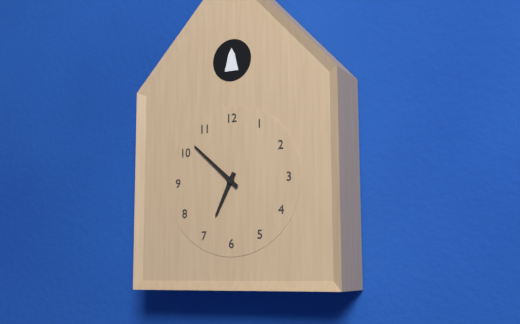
6h52
